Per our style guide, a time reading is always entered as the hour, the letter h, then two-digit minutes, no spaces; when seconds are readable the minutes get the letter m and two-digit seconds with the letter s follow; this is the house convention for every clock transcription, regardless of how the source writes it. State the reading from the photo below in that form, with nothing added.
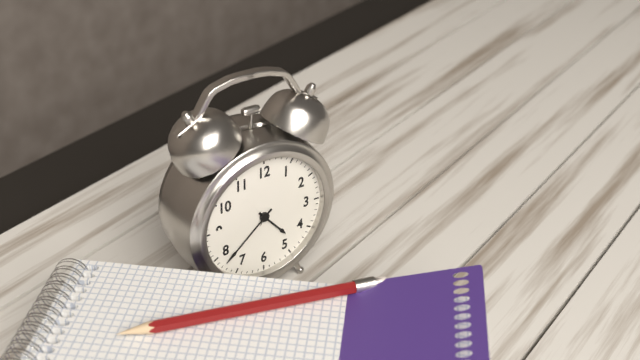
4h38
